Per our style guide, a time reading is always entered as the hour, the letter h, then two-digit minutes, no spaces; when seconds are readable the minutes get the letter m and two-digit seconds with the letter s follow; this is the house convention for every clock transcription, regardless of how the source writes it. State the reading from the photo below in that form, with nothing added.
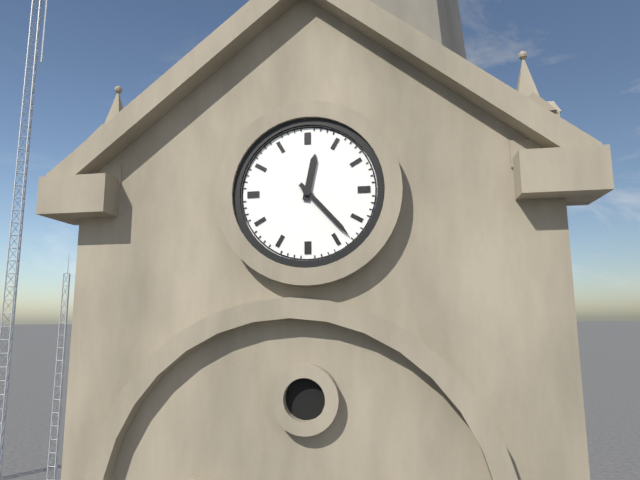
12h23
